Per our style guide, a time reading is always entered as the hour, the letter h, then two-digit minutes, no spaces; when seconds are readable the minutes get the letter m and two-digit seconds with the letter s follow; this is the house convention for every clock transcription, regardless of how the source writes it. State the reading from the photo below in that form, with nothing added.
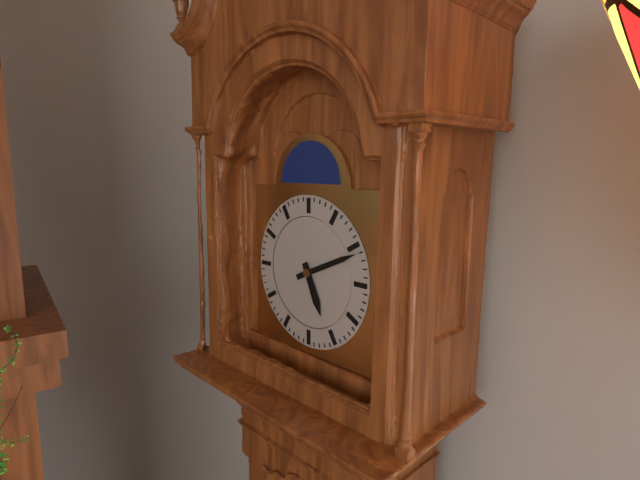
5h11
